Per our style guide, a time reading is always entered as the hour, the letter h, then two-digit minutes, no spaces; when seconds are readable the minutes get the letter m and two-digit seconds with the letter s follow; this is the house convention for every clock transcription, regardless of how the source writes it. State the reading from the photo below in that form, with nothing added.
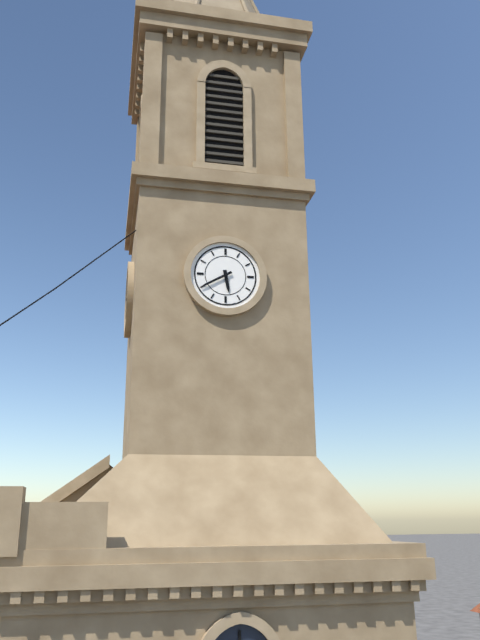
5h40
